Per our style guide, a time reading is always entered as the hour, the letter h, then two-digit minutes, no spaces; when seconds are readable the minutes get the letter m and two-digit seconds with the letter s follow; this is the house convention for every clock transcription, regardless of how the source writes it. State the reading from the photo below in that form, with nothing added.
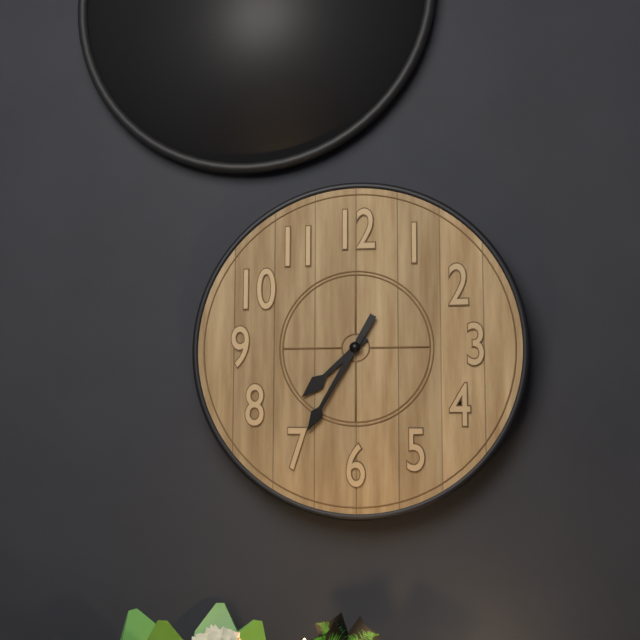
7h35
